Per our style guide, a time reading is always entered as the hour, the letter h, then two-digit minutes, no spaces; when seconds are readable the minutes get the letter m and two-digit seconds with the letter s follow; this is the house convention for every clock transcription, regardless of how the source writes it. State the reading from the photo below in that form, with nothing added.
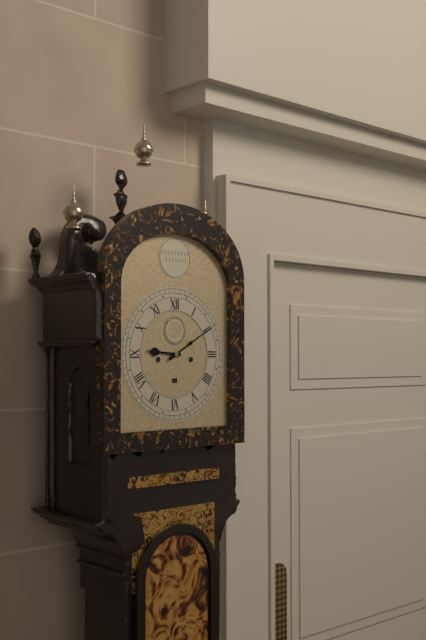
9h10
